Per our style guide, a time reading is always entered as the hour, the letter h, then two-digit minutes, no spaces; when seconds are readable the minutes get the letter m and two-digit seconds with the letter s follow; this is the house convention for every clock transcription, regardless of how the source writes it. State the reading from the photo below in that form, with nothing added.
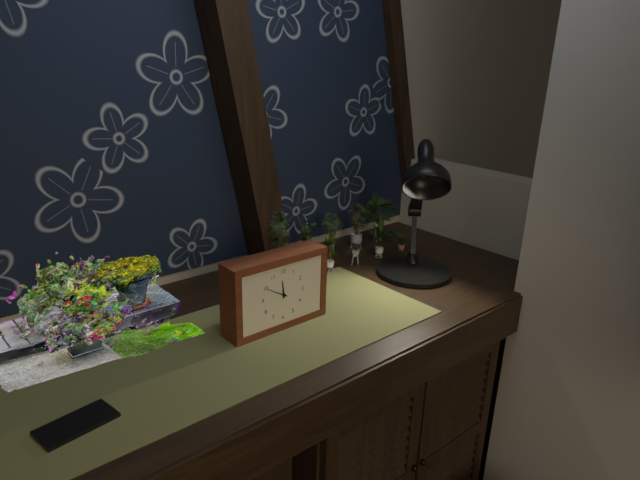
11h50
